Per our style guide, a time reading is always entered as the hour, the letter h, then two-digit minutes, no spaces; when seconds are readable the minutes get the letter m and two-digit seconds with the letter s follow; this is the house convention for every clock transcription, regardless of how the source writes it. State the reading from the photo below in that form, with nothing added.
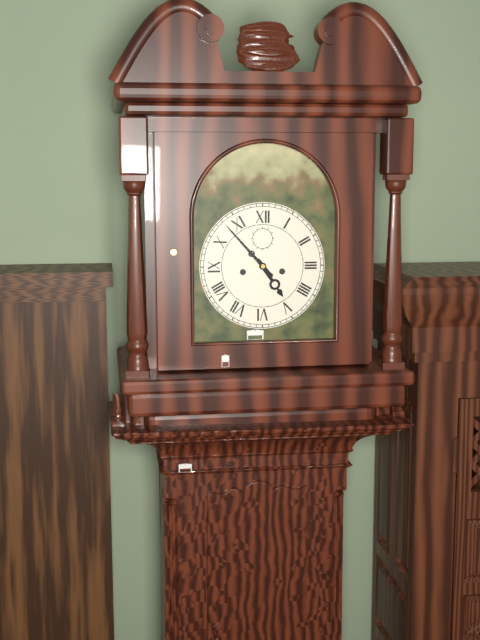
4h53
